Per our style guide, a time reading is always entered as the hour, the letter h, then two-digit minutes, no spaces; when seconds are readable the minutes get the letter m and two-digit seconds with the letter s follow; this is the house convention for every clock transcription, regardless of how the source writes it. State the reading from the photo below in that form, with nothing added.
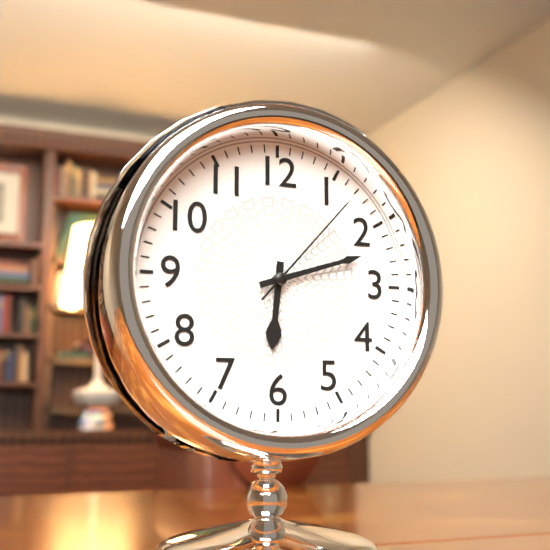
6h12m07s
